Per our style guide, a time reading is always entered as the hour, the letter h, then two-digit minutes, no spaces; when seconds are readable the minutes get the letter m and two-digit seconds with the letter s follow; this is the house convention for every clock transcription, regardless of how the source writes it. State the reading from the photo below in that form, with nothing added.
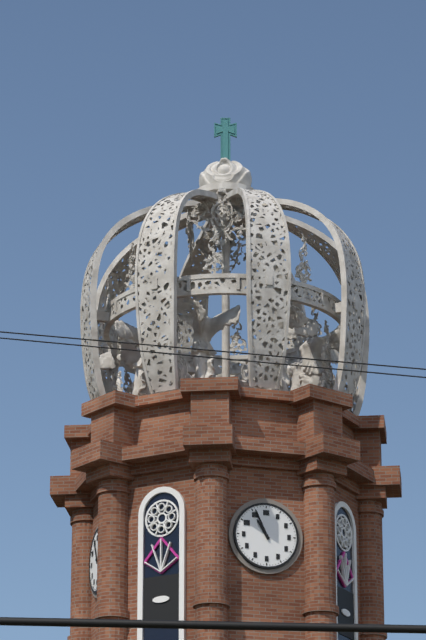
10h56
